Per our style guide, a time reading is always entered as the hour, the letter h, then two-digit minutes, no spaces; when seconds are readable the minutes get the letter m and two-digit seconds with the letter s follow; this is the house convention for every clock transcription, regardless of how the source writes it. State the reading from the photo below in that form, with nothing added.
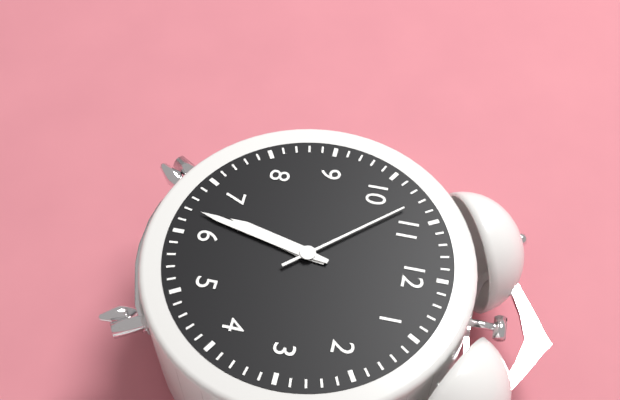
6h32m53s
